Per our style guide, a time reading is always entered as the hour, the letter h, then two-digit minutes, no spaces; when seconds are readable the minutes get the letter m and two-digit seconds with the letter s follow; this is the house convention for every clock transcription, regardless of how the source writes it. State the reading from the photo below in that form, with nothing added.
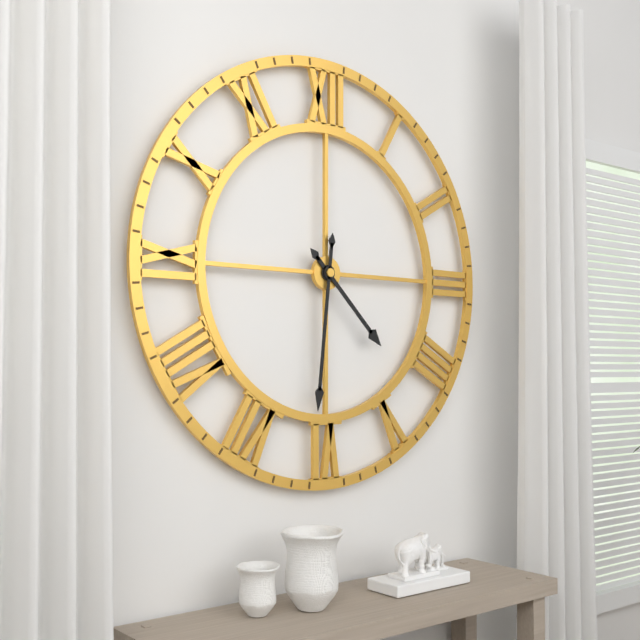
4h31
